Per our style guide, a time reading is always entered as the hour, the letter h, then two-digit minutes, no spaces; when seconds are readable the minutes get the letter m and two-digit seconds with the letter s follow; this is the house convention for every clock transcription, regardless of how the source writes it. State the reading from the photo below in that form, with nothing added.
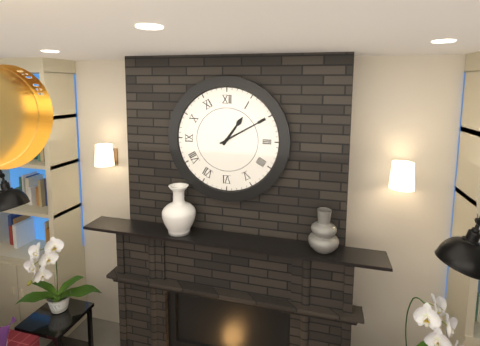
1h10
